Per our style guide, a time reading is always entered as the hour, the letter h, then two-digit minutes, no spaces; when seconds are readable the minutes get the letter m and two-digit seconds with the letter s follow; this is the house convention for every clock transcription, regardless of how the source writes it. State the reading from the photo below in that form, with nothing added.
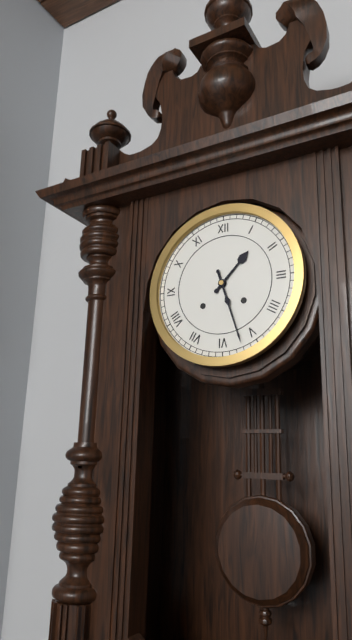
1h27
